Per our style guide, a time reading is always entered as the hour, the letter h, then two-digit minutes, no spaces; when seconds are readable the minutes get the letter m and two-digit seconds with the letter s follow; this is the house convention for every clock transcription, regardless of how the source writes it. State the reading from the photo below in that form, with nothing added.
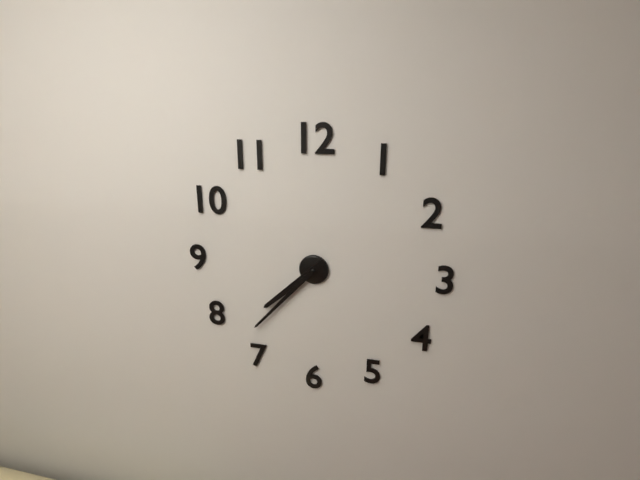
7h37
